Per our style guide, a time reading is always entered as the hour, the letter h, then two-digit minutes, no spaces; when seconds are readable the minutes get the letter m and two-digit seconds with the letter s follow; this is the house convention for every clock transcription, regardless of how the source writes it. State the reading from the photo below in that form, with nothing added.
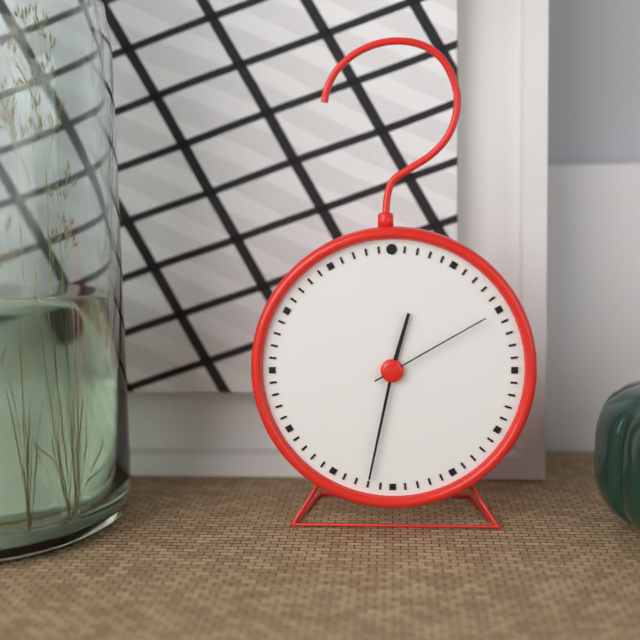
12h32m10s
